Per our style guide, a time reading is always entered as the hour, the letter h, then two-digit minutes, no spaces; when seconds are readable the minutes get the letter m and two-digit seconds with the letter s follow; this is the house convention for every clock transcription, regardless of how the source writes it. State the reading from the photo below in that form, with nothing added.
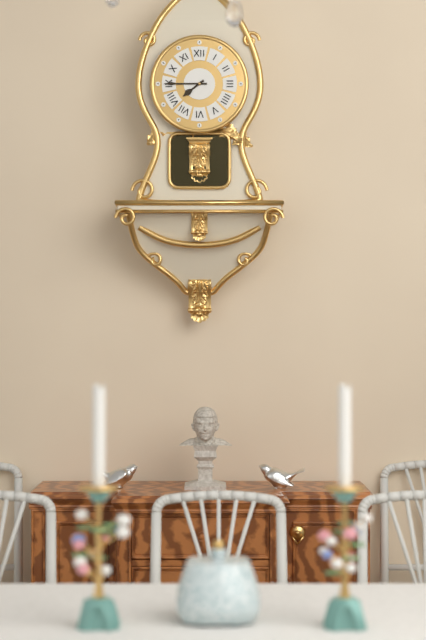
7h45
